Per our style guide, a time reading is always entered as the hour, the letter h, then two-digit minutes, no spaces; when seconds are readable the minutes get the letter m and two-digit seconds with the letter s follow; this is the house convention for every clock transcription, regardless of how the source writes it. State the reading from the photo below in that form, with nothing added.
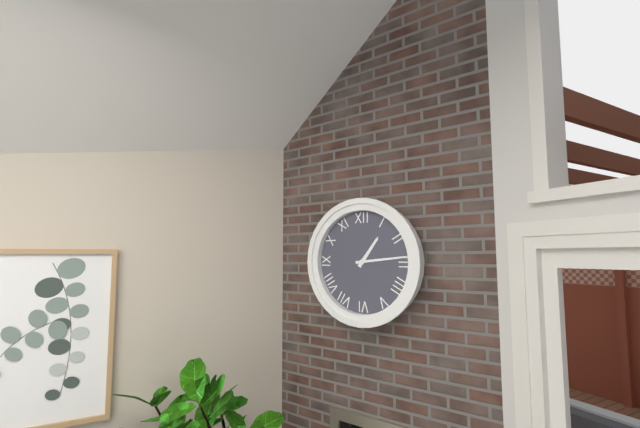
1h14
